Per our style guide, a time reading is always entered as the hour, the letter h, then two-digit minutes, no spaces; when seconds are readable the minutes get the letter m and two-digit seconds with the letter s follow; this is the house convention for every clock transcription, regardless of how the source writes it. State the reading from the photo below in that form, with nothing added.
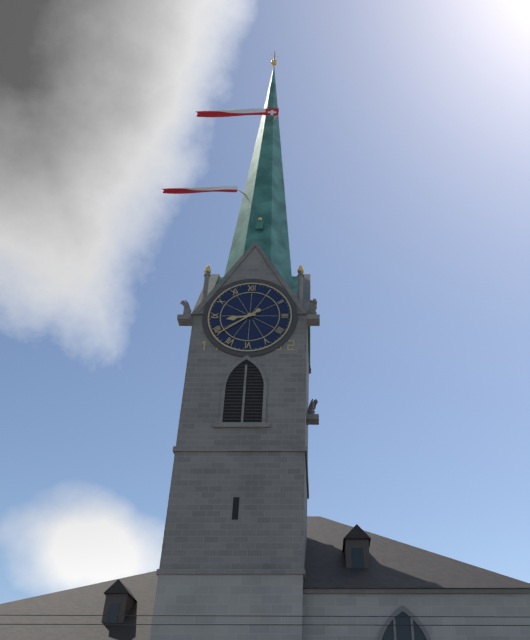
8h39
